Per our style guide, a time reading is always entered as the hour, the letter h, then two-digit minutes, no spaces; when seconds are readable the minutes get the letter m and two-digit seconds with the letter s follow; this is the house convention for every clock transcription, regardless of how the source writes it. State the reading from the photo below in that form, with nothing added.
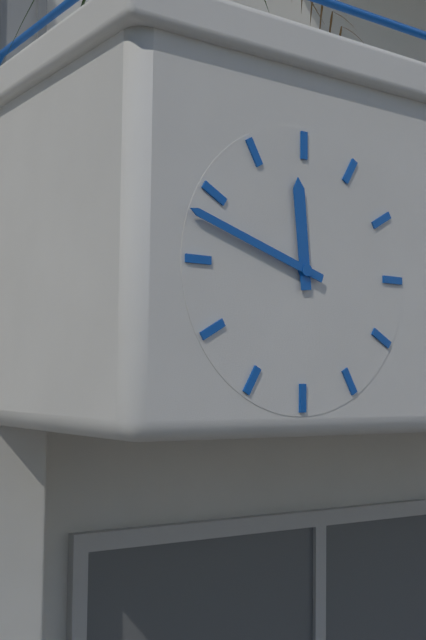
11h48
